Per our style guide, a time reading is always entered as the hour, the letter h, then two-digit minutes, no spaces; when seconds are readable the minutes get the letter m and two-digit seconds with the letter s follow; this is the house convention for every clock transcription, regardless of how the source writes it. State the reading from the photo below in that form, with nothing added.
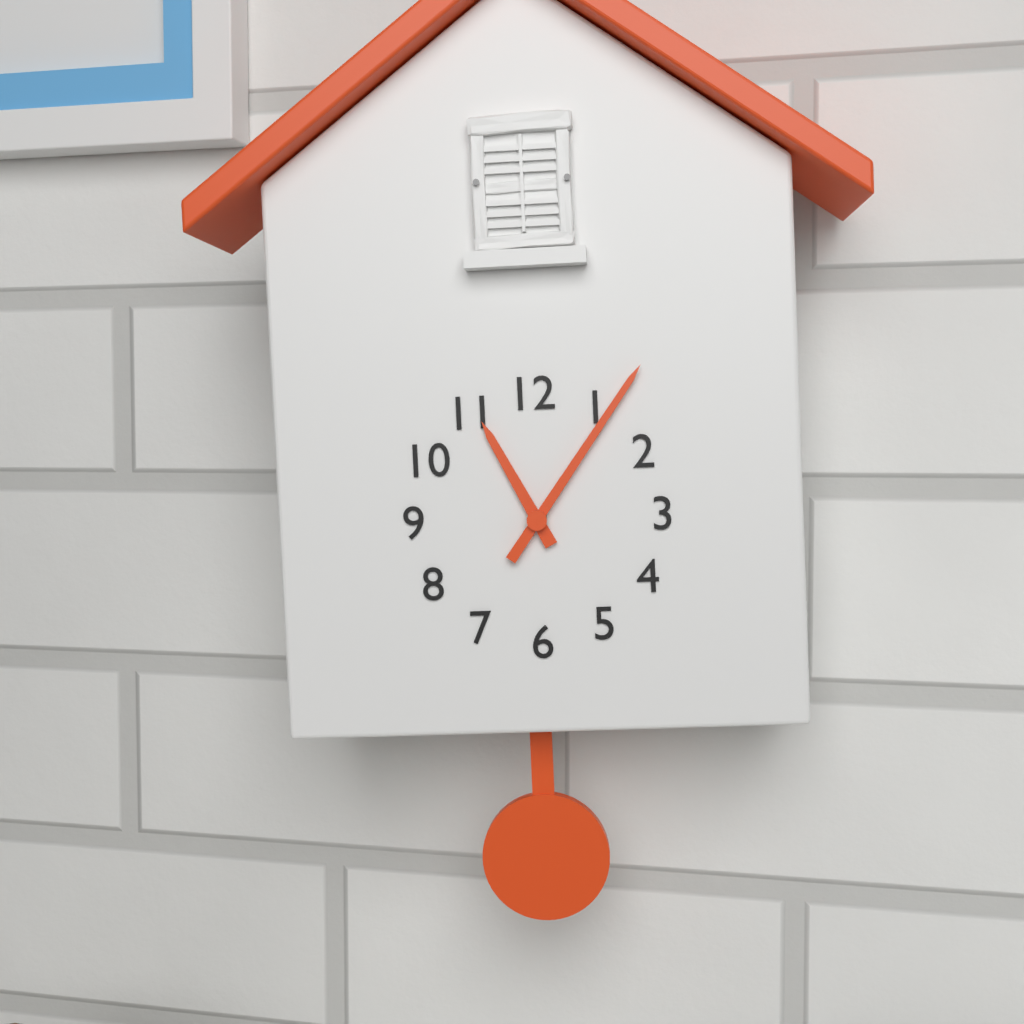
11h06
